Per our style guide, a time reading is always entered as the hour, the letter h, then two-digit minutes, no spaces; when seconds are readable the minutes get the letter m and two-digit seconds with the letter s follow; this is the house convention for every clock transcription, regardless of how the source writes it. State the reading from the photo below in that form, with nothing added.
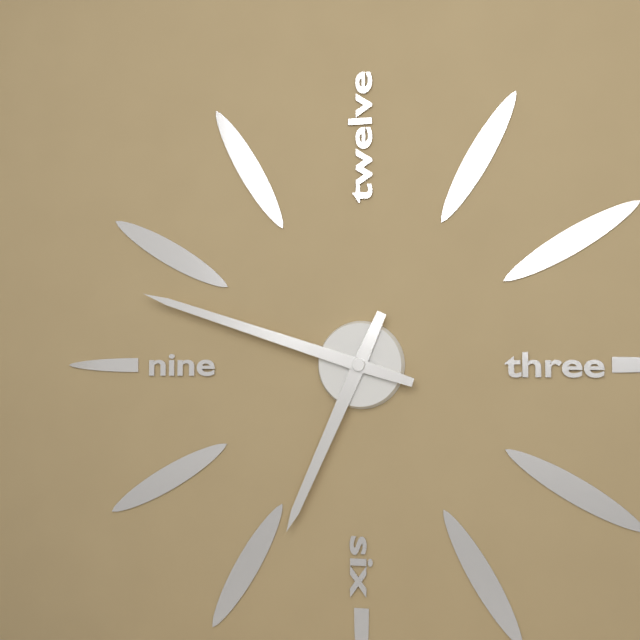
6h48
